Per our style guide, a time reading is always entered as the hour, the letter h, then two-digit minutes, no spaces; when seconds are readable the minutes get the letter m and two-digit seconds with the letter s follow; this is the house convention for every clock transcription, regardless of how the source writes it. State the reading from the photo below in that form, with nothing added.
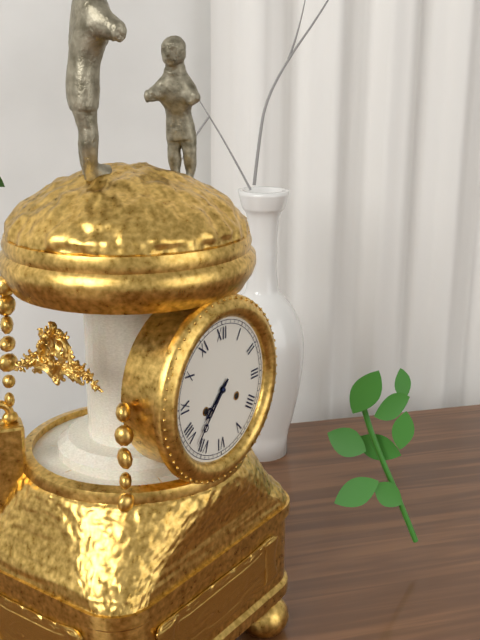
7h37
